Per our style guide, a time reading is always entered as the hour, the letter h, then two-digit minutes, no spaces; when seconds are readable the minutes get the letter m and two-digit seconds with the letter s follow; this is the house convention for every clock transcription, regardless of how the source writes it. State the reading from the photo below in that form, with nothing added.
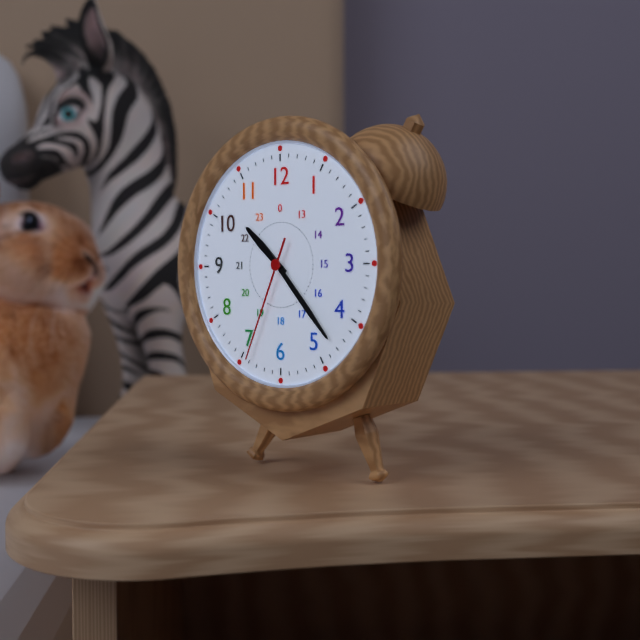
10h23m34s
